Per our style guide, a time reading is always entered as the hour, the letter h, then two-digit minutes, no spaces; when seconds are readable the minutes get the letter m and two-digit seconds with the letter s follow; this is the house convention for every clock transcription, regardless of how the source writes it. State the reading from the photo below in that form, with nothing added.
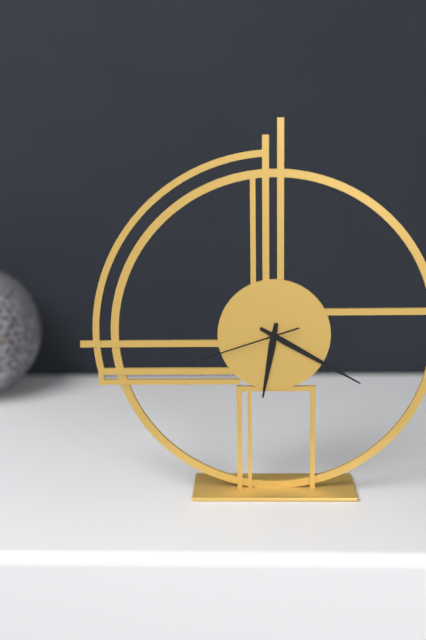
6h20m42s
